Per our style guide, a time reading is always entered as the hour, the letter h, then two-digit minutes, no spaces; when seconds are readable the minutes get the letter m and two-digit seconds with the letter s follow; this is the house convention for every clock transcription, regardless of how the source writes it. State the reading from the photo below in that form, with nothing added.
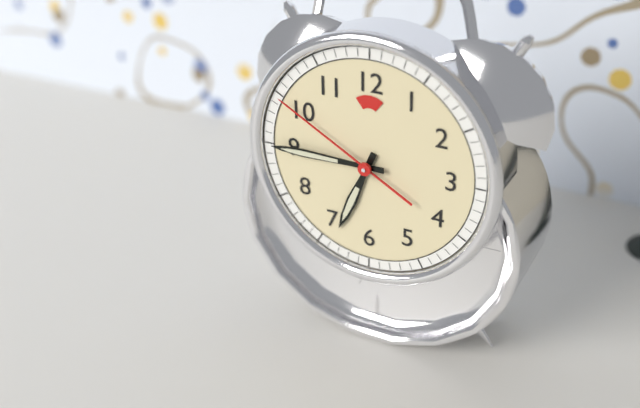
6h45m50s
